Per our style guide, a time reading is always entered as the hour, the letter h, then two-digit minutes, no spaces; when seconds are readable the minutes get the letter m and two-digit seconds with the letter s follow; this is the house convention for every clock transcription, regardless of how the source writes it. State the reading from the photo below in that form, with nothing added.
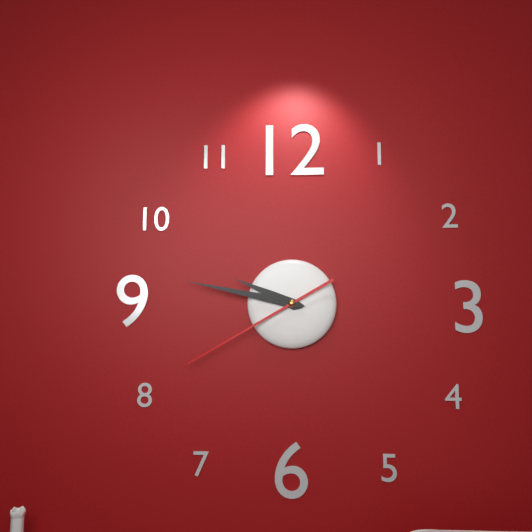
9h47m40s
